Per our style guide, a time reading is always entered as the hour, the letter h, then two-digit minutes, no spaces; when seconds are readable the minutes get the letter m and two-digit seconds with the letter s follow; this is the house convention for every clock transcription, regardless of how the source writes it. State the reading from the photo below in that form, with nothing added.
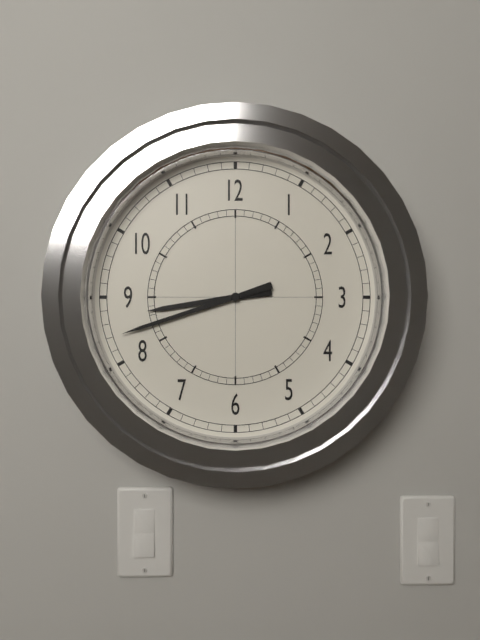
8h42
